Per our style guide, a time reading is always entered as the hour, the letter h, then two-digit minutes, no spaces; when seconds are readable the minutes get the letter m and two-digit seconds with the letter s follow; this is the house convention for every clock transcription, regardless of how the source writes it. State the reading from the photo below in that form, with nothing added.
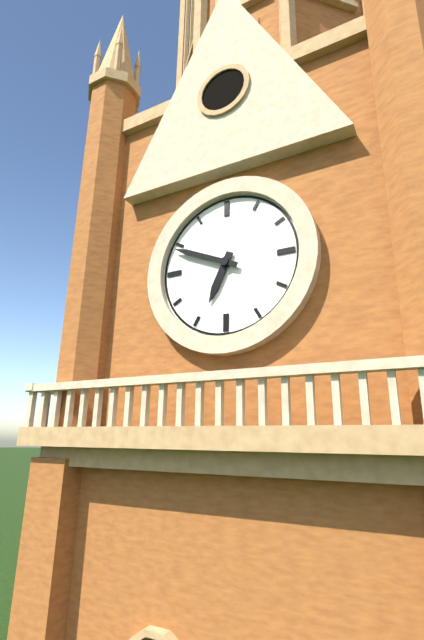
6h49
